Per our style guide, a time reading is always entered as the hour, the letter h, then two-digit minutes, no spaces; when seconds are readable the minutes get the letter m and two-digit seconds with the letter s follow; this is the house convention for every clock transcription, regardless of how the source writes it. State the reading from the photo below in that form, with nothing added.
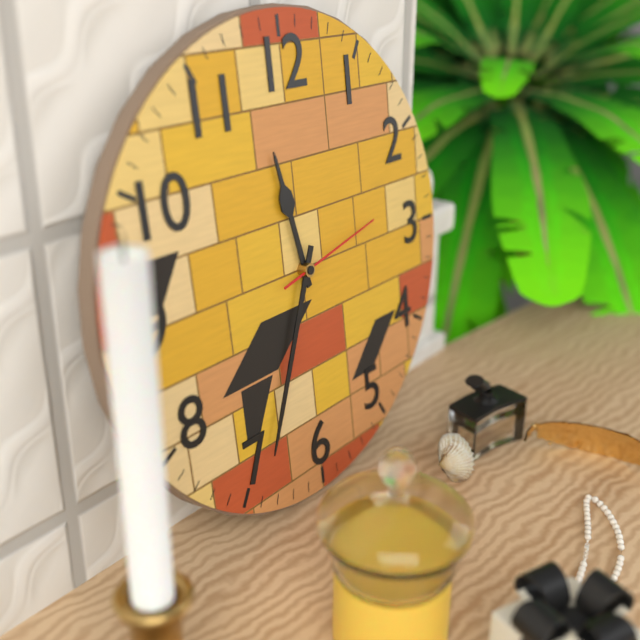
11h34m13s
